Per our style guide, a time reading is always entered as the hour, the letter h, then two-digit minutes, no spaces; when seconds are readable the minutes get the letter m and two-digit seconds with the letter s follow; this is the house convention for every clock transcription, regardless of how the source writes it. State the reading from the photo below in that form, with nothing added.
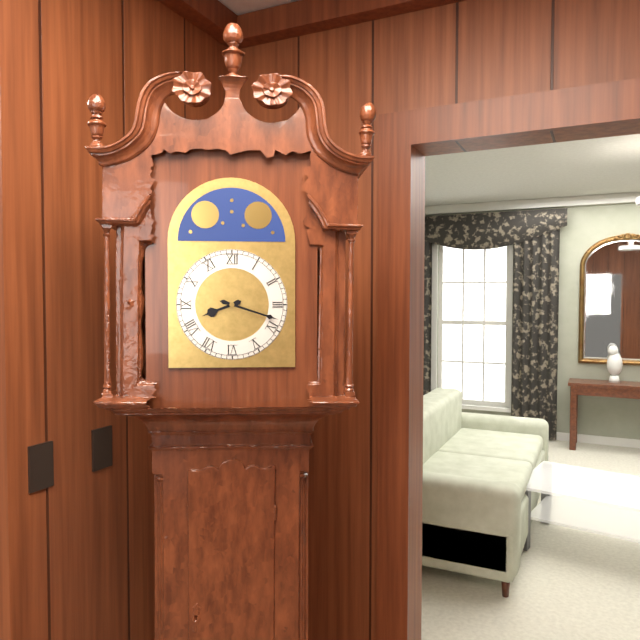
8h18
